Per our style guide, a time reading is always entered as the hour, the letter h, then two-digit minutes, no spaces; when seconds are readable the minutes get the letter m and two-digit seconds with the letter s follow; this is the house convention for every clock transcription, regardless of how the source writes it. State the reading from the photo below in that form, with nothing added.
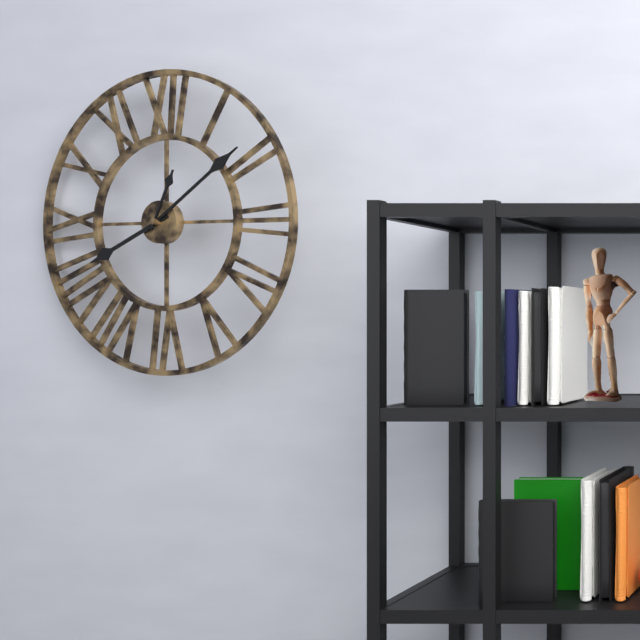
8h09m04s
